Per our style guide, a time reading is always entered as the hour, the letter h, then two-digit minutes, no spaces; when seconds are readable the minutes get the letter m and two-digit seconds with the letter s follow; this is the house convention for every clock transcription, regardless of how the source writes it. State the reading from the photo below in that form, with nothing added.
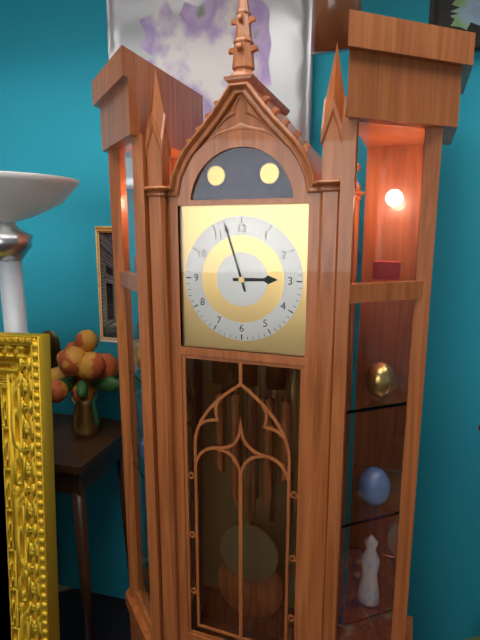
2h57
